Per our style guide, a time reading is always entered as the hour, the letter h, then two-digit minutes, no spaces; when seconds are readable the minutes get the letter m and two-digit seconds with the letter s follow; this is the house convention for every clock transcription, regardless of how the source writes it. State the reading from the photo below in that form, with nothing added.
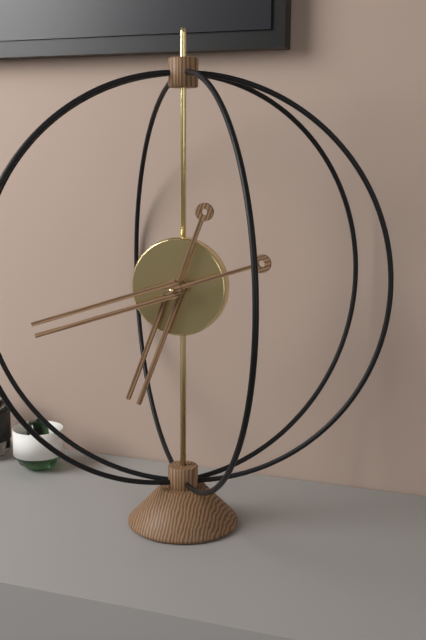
6h42
